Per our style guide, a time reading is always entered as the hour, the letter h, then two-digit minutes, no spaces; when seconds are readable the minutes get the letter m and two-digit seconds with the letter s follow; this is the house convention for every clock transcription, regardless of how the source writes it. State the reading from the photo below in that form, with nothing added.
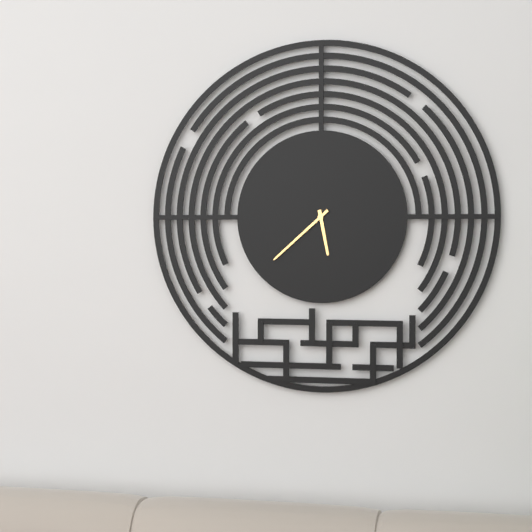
5h38
